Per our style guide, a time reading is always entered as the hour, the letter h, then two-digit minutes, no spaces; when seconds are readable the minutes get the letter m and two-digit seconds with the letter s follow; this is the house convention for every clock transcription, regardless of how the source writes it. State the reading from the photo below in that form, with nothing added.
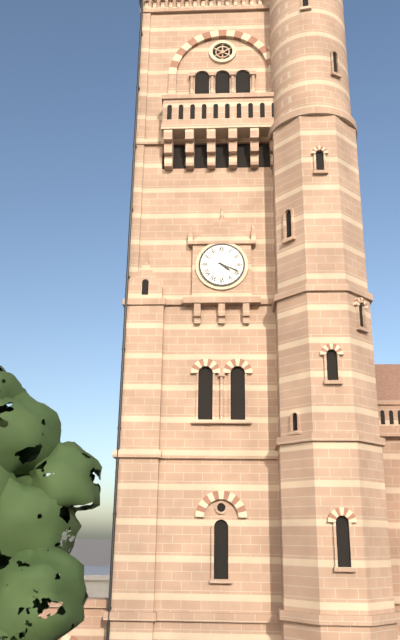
4h19
